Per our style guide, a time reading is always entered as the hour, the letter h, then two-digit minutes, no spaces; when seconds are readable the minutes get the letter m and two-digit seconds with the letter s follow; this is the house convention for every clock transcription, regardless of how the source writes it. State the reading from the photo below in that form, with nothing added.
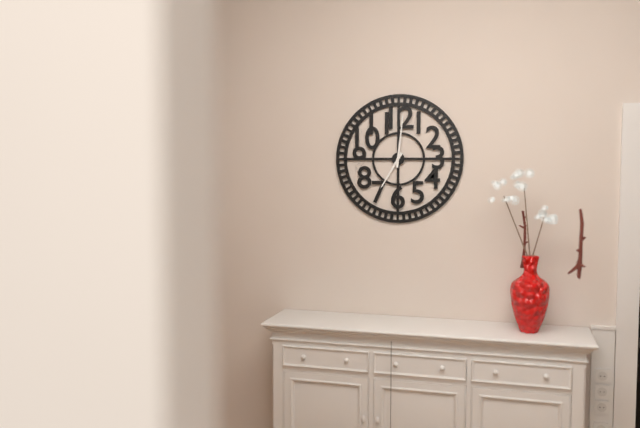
7h01
